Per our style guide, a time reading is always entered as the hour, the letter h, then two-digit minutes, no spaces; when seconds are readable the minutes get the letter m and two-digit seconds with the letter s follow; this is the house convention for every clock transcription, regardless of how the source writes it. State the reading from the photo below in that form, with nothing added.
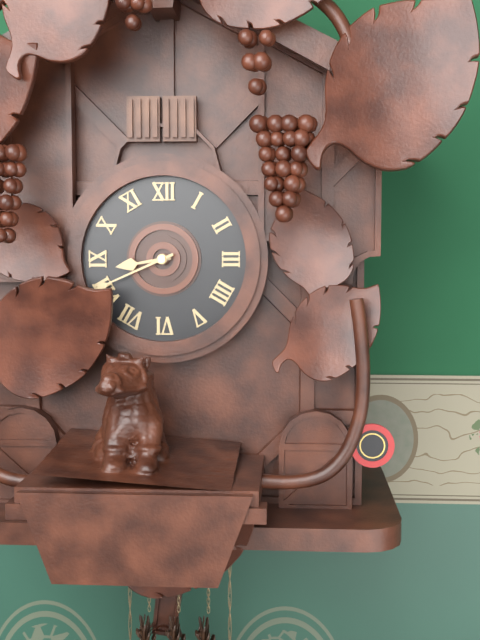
8h41
